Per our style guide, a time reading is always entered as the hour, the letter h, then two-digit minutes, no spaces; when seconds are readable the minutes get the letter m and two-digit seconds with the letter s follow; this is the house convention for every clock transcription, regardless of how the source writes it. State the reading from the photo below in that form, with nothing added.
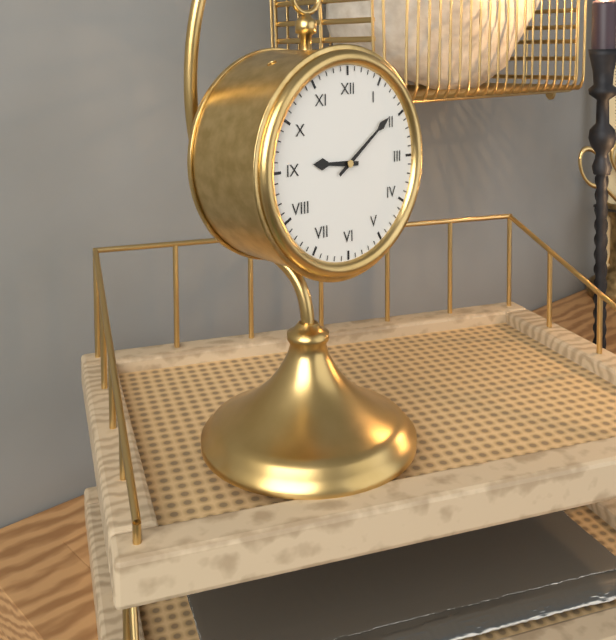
9h09
